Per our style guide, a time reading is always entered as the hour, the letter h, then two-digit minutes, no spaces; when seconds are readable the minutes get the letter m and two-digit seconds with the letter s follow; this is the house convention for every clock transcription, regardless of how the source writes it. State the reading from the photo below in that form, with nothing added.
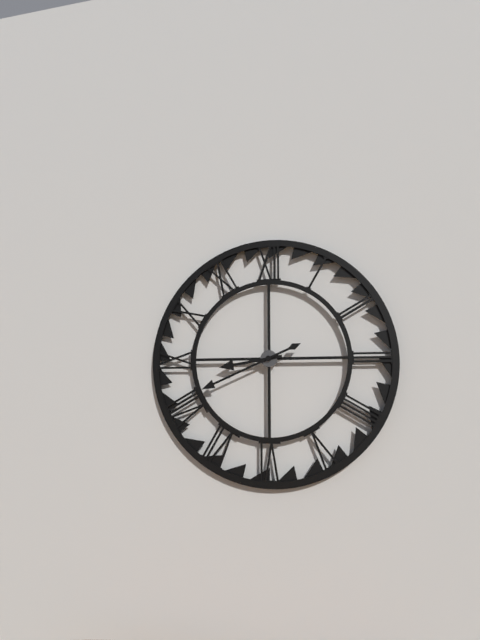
8h41
